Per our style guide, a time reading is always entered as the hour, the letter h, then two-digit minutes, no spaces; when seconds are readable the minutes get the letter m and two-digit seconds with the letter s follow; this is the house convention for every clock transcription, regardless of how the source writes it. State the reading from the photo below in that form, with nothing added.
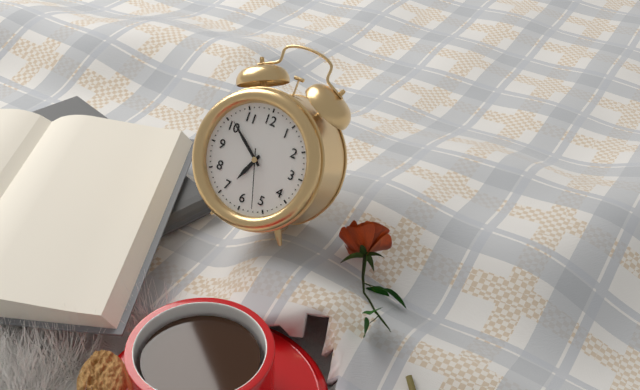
6h51m27s
